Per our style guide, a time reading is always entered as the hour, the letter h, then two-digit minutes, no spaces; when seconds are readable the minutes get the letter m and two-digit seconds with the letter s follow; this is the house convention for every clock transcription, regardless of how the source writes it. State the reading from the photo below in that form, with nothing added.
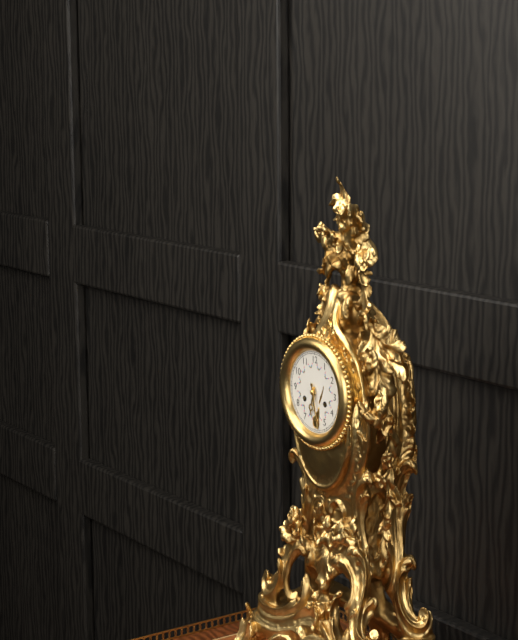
6h28
